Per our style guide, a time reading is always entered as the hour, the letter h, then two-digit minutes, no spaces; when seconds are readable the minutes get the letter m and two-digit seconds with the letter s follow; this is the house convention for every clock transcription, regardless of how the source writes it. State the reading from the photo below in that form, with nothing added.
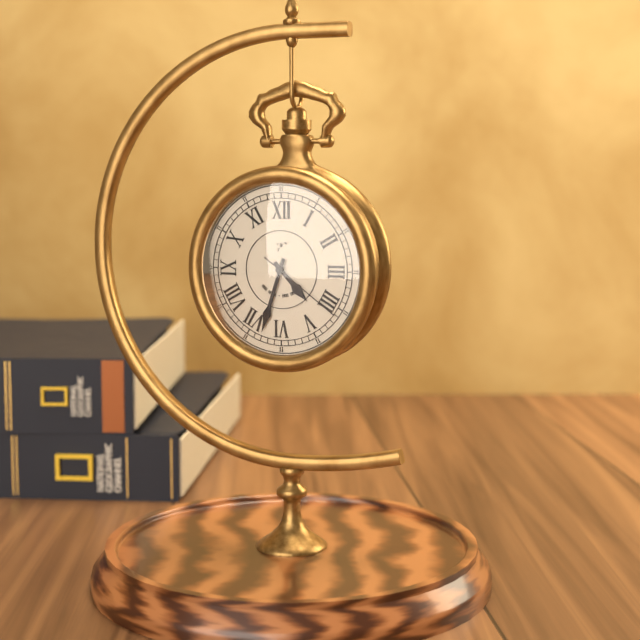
4h33m21s
